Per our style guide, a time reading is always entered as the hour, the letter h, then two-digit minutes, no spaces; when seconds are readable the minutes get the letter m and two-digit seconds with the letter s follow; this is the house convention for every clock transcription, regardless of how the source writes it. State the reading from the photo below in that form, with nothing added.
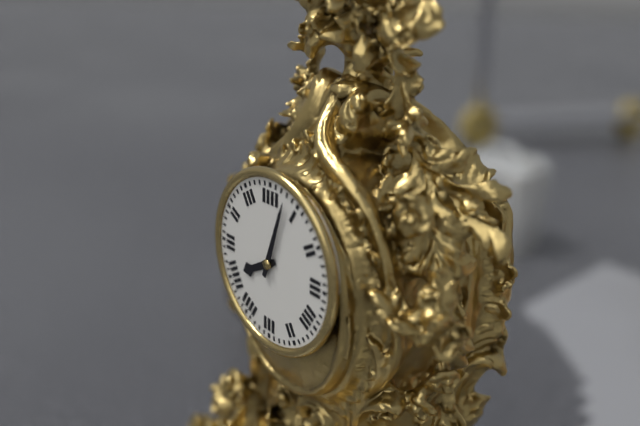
8h03
